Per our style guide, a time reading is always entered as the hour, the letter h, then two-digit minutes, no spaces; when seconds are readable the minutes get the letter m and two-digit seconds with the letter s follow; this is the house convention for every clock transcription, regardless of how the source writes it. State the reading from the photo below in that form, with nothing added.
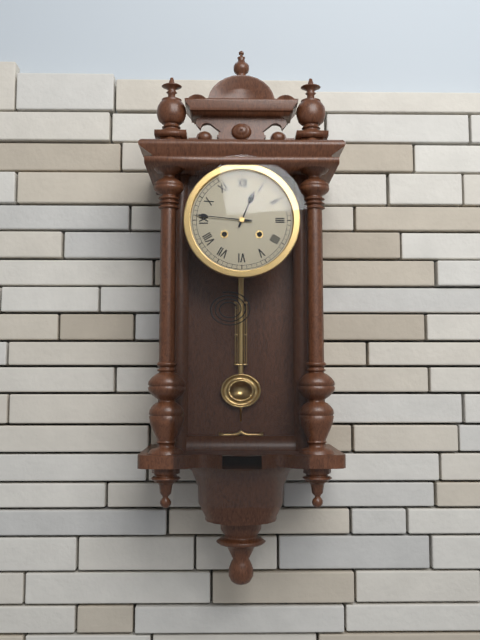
12h46
